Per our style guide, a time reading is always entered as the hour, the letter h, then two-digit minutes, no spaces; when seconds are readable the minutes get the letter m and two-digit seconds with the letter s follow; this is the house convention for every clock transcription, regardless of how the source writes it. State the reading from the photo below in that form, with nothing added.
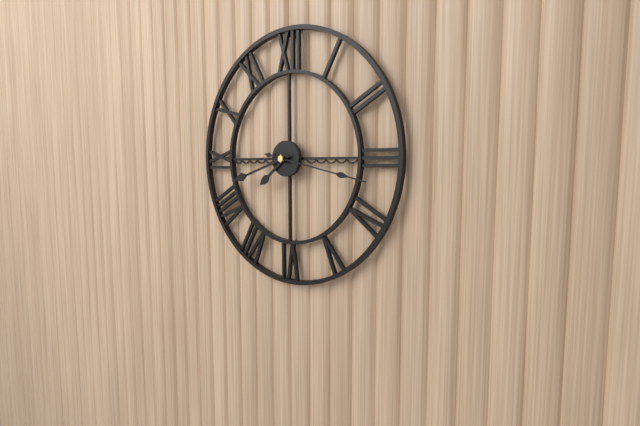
7h42m17s
